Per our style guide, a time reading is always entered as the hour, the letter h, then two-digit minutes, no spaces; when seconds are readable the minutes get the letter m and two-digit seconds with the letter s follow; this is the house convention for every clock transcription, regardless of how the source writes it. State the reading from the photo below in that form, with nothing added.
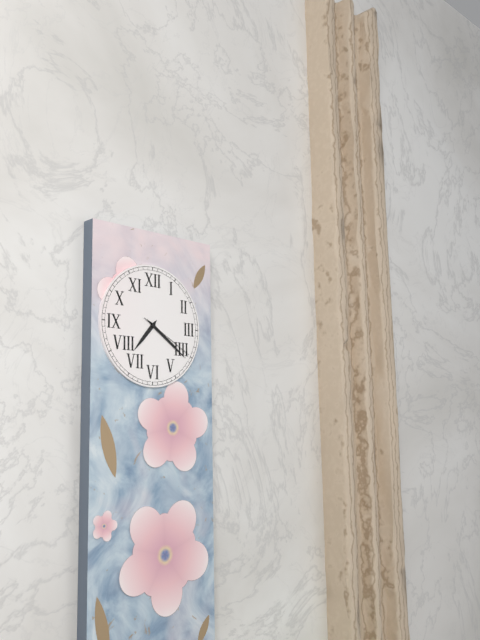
7h21m20s
